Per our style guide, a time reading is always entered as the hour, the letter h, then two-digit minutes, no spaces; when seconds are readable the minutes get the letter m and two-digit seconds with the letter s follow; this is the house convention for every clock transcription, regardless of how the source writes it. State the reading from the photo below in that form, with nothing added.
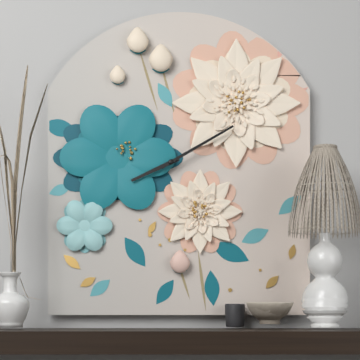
8h10
